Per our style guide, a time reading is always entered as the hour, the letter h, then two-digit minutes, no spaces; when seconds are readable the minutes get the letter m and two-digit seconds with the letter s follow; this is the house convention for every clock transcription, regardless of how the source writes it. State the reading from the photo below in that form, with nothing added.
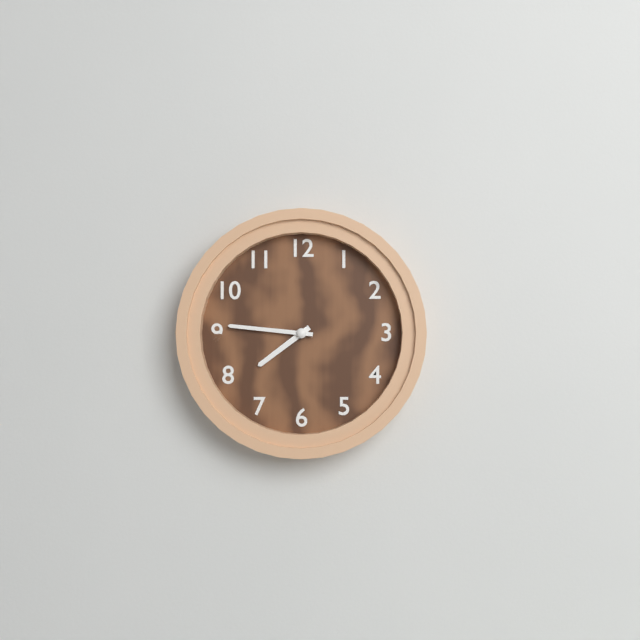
7h46
